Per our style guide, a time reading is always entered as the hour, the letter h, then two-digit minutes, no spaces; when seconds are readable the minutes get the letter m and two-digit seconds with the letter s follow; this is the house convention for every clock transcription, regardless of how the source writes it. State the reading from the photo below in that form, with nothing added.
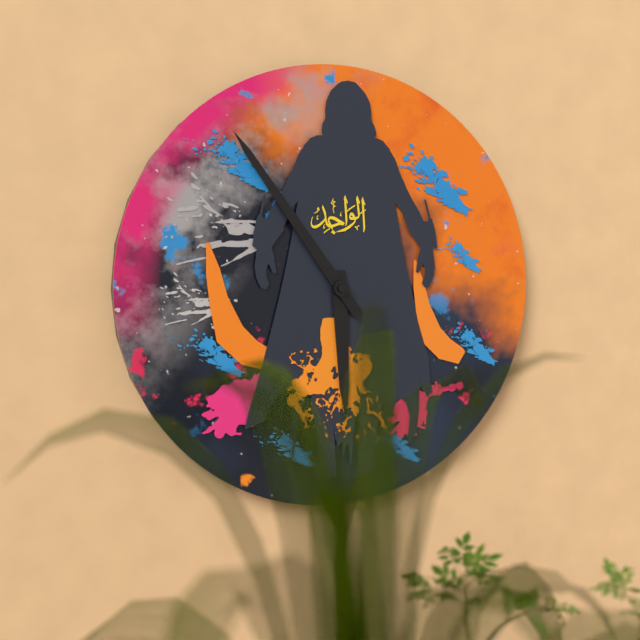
5h54
